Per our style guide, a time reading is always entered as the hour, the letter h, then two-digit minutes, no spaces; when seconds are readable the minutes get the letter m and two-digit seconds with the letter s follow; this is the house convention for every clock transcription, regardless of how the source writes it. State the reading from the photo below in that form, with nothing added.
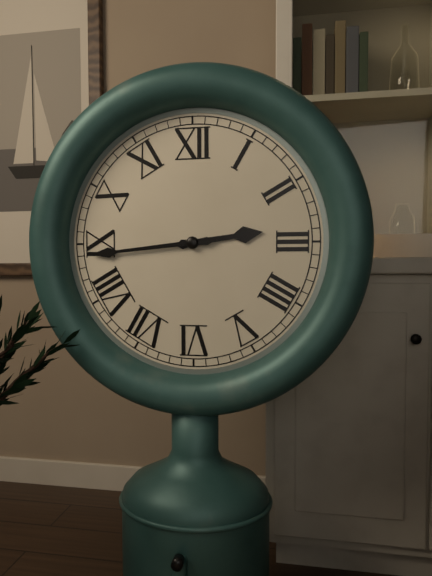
2h44
